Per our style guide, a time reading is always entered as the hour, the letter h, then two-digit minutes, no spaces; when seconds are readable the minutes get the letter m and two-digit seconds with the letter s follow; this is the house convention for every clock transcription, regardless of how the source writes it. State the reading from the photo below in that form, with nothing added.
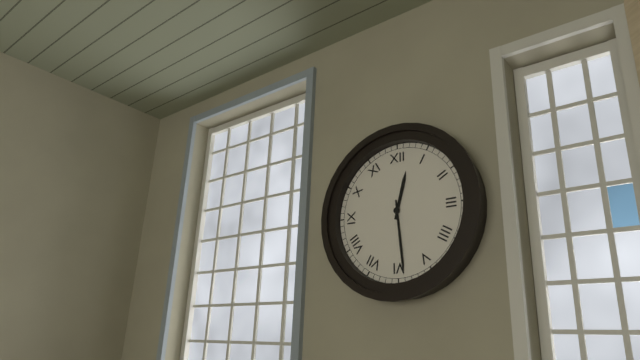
12h29
